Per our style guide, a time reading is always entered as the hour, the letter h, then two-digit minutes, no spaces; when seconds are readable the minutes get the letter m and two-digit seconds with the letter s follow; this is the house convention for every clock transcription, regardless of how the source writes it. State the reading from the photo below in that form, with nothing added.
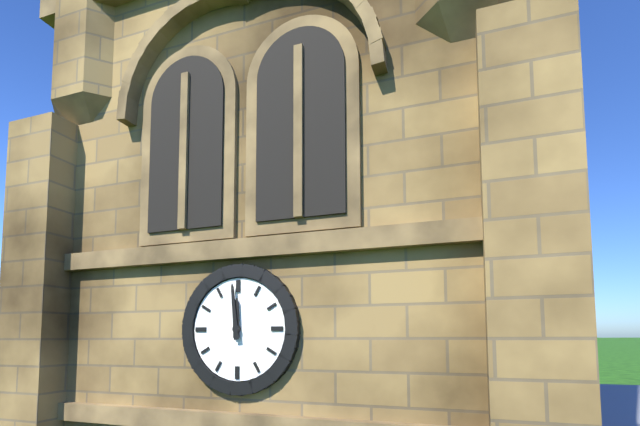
11h59
